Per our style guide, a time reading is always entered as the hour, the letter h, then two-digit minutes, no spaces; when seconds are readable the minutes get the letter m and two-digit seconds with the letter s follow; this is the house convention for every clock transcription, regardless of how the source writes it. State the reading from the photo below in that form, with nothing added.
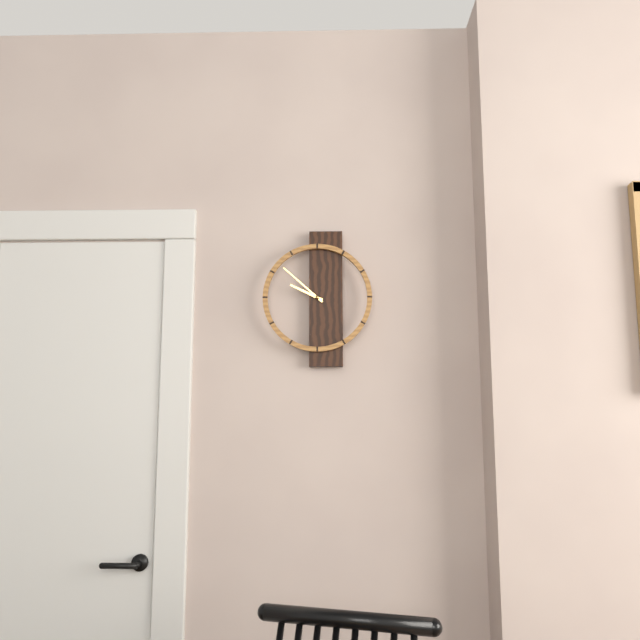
9h52
